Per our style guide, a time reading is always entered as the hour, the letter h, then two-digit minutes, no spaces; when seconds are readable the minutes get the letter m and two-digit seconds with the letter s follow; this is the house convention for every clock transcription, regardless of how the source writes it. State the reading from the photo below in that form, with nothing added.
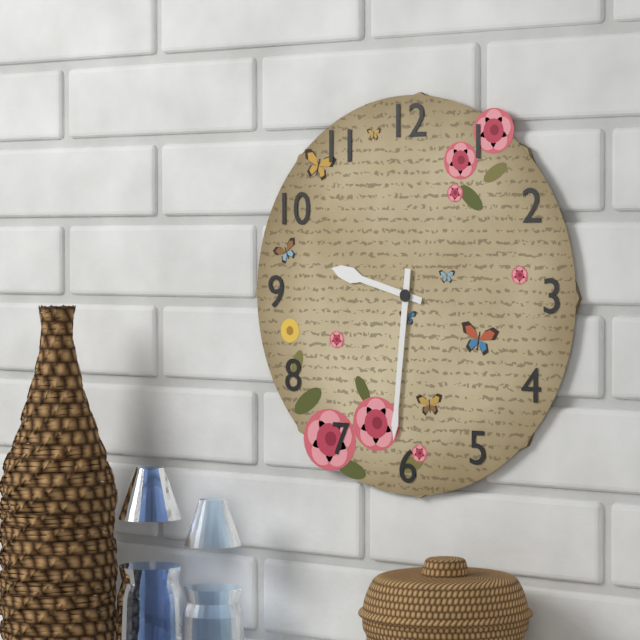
9h31
